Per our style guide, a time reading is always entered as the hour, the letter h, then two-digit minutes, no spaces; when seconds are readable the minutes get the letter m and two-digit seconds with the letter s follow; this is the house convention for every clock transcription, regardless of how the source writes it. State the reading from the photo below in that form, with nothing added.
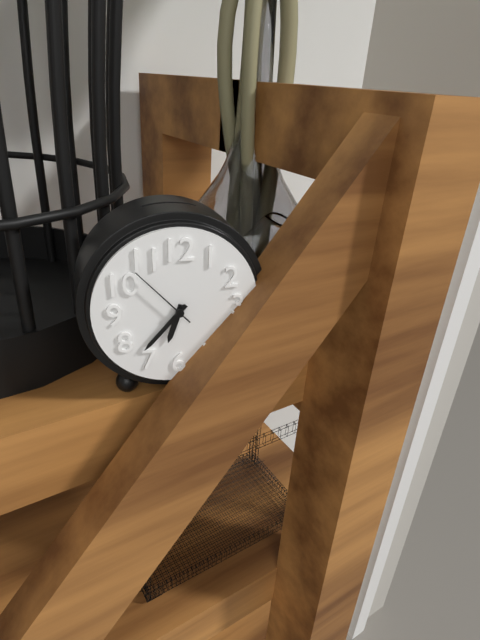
6h37m53s
